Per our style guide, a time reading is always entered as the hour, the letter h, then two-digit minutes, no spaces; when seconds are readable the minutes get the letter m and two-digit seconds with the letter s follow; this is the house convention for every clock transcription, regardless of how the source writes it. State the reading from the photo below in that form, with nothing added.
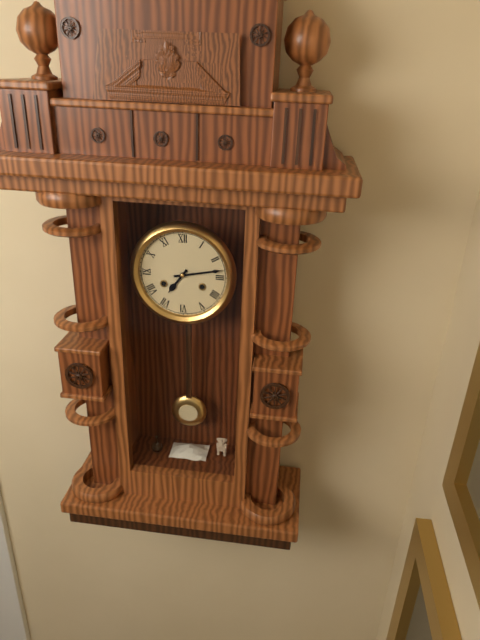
7h13
